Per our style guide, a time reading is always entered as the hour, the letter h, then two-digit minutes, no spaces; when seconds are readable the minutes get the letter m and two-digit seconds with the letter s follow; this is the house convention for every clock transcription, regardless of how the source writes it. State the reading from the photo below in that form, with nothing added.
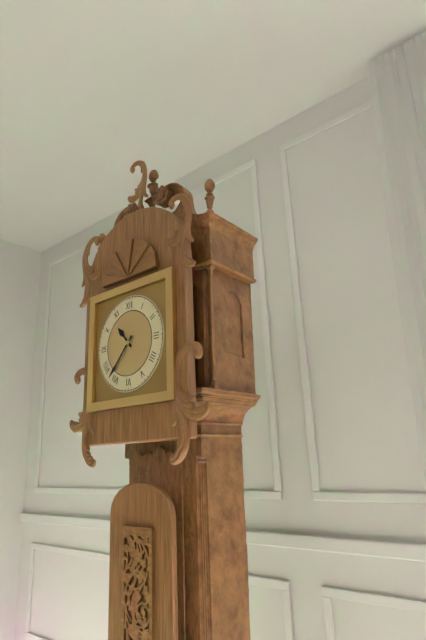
10h37
